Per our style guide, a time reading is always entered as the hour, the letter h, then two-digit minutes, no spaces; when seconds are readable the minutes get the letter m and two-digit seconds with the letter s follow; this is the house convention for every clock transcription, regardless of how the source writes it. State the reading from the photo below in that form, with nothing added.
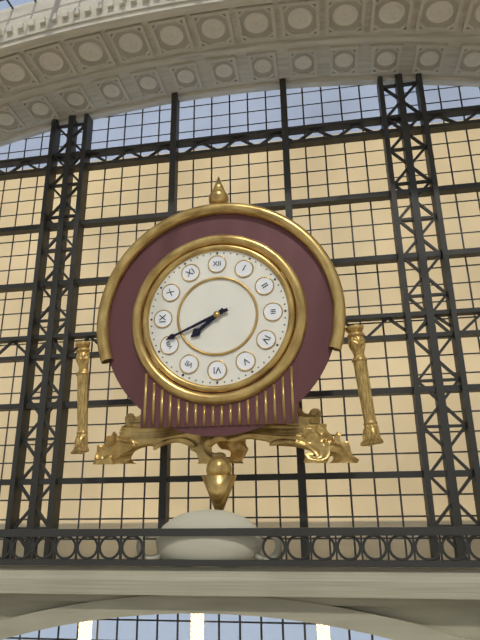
7h41
